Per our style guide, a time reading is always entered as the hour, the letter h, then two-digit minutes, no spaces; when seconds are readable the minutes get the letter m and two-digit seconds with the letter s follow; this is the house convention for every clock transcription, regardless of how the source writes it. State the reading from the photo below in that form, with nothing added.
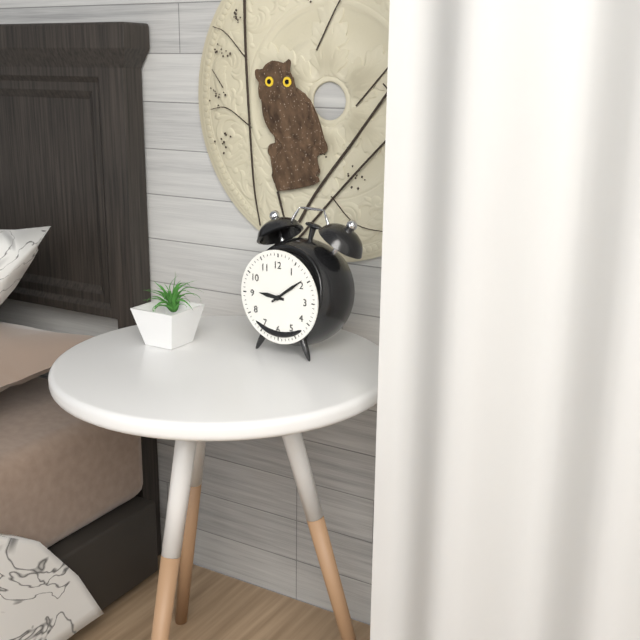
9h09
